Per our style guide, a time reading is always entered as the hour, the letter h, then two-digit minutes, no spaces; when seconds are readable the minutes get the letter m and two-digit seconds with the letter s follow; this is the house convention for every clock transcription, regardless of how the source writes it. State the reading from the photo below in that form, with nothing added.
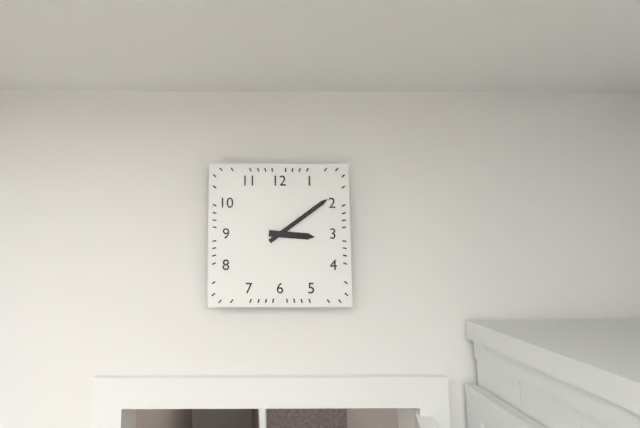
3h09
